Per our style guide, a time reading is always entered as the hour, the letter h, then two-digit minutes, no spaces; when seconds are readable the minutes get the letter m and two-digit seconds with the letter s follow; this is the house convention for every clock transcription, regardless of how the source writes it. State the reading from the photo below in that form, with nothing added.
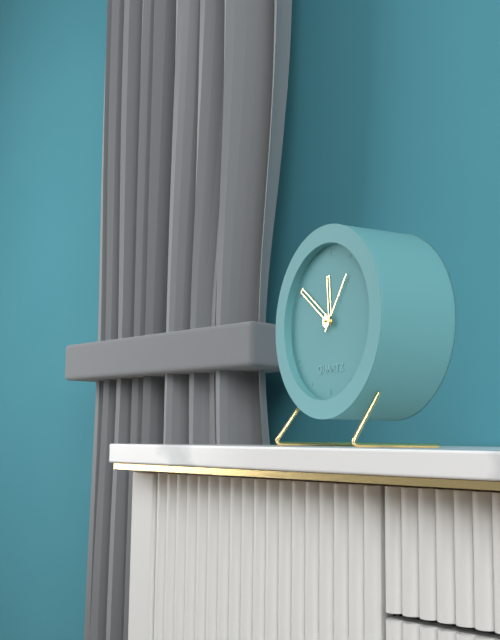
11h51m06s
